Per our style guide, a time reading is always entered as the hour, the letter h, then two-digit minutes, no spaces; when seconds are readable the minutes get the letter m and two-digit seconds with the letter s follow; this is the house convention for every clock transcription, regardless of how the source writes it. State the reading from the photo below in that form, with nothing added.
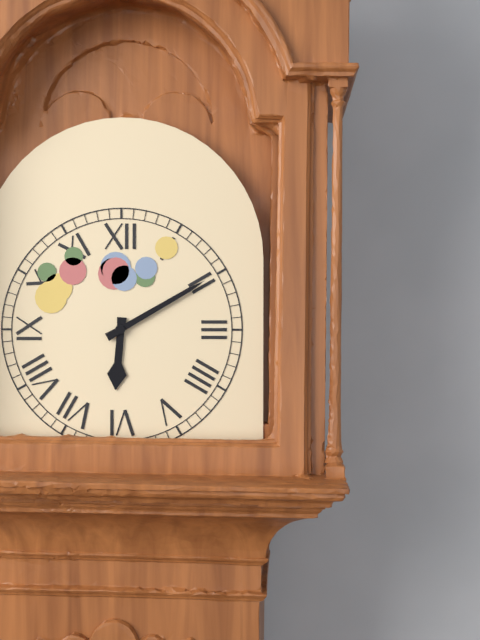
6h10
